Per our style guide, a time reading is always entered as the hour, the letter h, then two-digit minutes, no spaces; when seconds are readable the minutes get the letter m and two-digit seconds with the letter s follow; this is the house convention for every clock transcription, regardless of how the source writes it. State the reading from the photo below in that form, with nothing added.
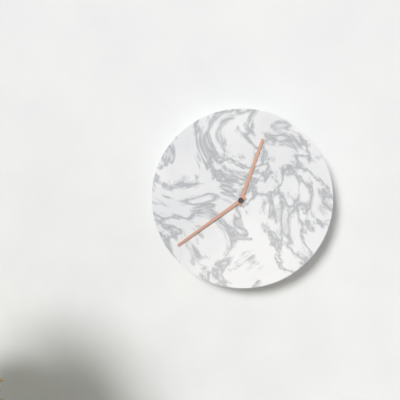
12h39
